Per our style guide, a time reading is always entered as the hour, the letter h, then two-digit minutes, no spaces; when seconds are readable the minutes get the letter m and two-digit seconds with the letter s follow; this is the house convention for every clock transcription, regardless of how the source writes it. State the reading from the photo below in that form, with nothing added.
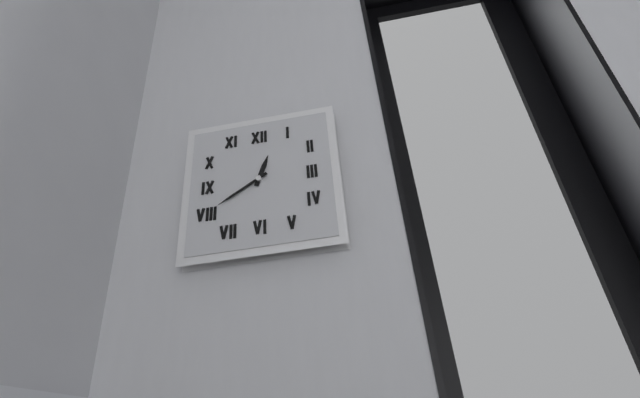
12h40
